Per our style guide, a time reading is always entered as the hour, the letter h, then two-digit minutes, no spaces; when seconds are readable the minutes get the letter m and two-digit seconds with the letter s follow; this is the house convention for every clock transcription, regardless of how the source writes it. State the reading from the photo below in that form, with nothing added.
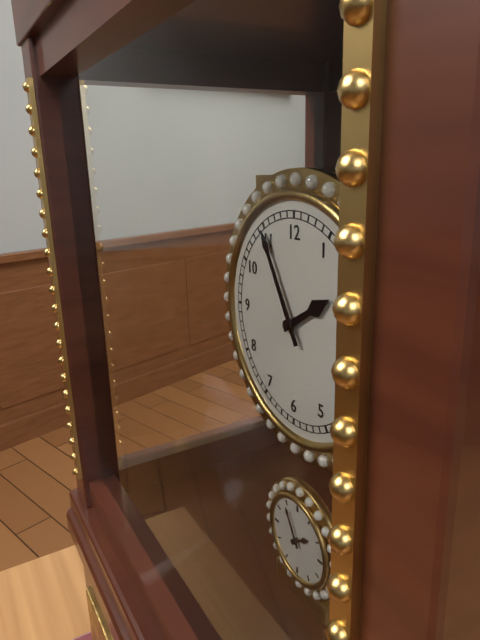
1h55
